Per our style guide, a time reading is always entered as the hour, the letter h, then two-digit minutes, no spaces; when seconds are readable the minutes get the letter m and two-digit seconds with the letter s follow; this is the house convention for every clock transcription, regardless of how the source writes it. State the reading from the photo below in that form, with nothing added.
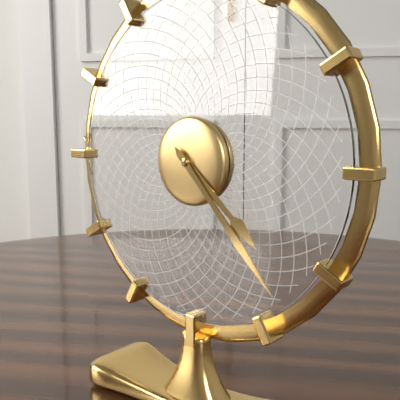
4h23
